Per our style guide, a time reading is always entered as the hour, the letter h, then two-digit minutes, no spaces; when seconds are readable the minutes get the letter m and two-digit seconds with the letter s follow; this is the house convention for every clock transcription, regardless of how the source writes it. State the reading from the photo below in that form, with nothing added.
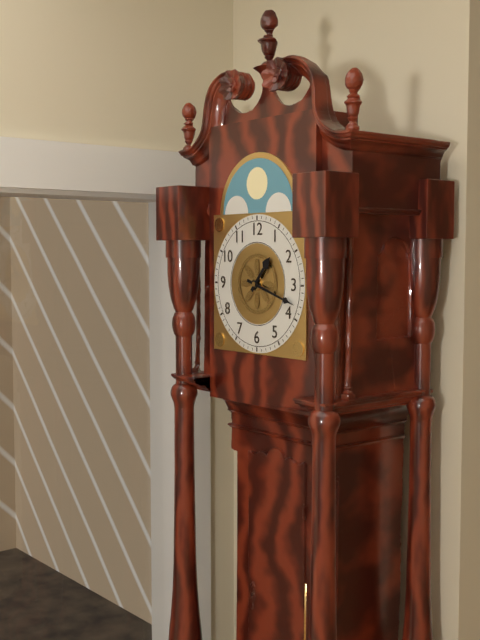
1h18
